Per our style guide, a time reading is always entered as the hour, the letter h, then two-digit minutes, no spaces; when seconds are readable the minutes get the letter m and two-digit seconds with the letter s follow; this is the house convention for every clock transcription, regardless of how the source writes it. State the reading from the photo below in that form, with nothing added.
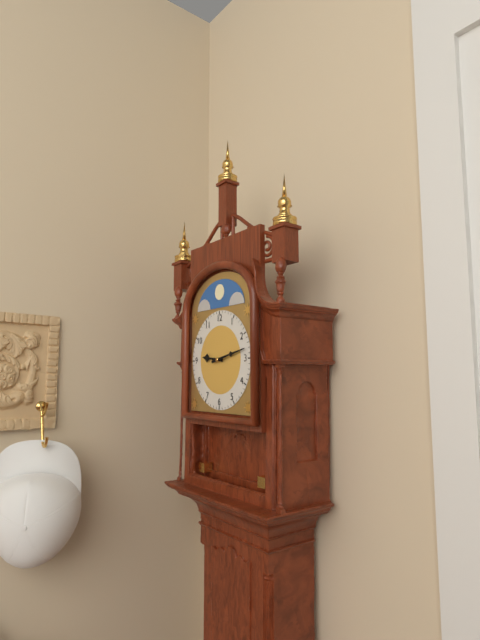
9h13
